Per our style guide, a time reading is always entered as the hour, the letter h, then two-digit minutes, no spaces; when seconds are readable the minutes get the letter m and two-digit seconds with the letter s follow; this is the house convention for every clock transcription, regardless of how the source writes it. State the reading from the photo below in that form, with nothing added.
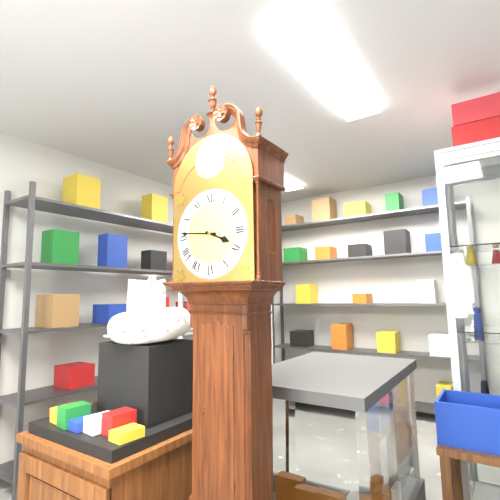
3h46
